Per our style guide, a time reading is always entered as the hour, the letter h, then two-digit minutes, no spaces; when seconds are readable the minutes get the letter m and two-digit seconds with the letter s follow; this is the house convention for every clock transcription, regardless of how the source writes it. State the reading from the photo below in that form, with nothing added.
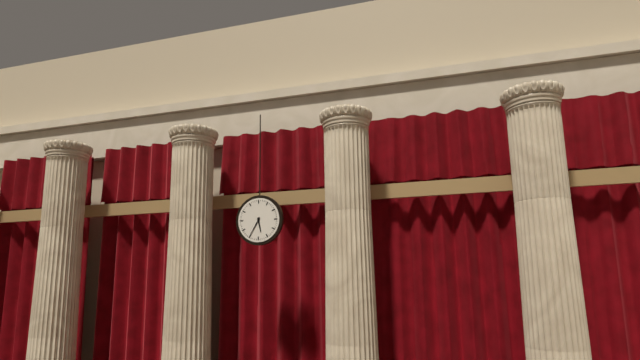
5h35
